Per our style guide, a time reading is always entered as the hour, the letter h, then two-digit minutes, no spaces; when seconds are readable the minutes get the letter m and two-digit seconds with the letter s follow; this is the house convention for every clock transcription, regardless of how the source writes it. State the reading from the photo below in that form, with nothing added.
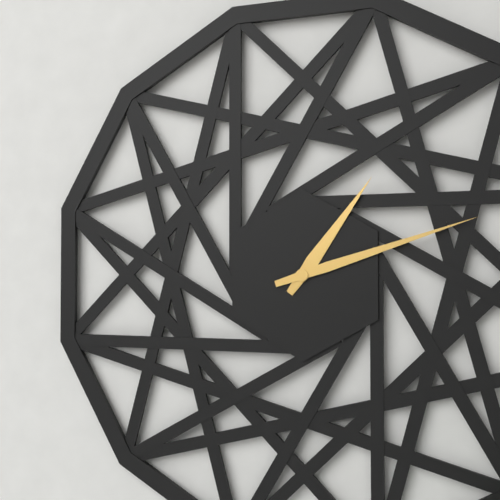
1h12
